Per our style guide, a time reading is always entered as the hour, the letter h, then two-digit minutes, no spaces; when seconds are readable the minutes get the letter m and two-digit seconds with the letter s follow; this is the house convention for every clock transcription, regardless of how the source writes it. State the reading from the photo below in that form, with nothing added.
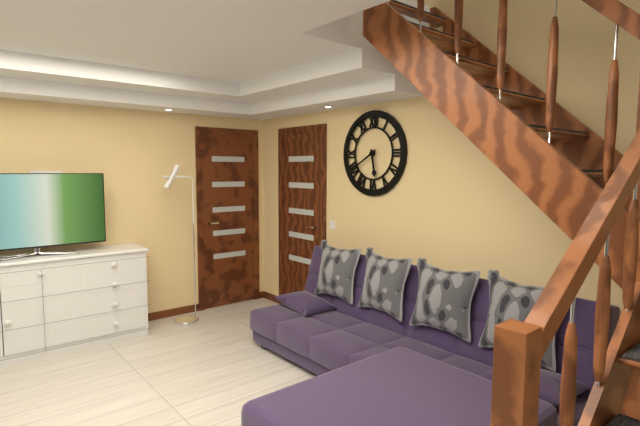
5h40
